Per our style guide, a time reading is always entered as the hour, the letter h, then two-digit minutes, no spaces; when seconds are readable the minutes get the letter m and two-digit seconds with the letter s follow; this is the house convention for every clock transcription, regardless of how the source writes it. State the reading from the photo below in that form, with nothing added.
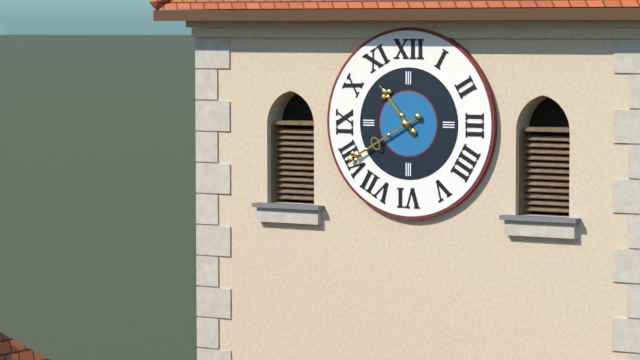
10h40
